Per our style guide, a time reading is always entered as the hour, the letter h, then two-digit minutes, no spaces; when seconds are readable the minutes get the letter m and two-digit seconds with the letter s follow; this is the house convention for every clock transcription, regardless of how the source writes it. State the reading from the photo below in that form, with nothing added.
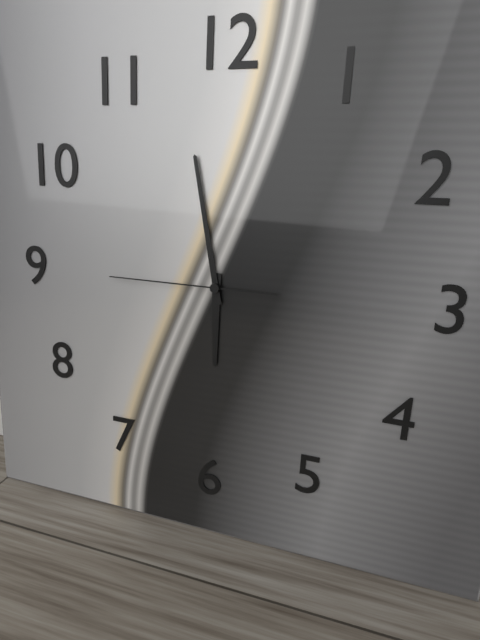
5h58m45s
